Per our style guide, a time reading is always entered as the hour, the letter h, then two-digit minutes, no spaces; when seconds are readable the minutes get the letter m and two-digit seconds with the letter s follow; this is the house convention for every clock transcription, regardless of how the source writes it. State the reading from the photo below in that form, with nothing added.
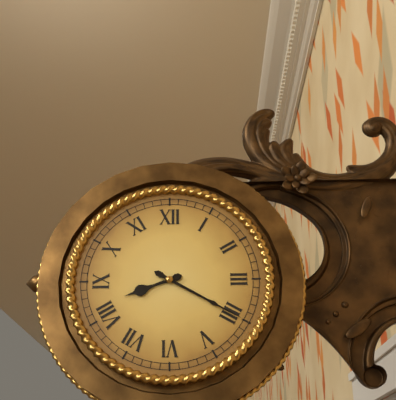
8h20
